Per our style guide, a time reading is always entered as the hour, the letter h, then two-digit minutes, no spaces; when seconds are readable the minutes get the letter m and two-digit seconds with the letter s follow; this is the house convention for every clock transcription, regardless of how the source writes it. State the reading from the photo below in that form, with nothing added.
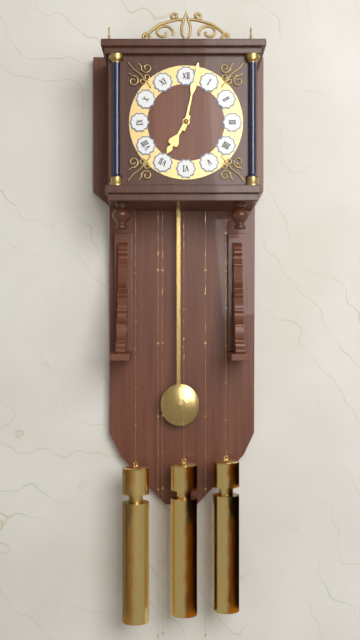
7h02
